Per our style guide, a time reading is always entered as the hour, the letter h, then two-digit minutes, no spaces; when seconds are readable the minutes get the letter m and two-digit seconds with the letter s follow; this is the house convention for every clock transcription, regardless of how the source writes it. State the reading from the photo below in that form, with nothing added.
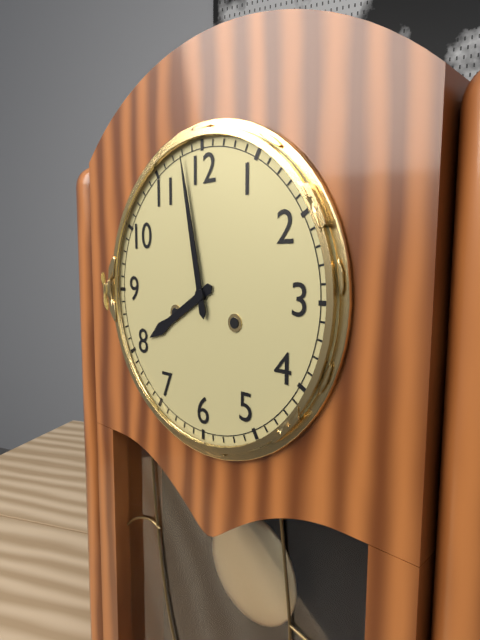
7h58
